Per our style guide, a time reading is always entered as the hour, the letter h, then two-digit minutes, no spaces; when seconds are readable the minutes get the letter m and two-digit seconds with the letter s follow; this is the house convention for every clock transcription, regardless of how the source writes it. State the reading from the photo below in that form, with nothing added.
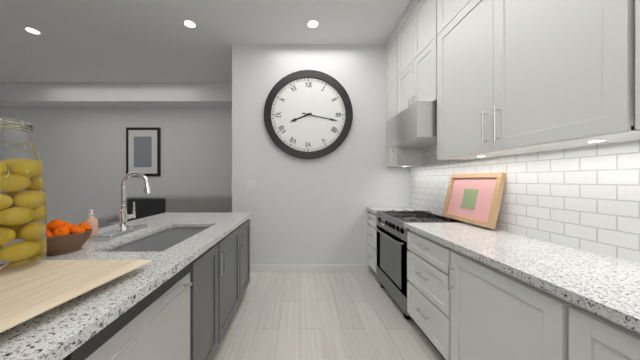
8h17
